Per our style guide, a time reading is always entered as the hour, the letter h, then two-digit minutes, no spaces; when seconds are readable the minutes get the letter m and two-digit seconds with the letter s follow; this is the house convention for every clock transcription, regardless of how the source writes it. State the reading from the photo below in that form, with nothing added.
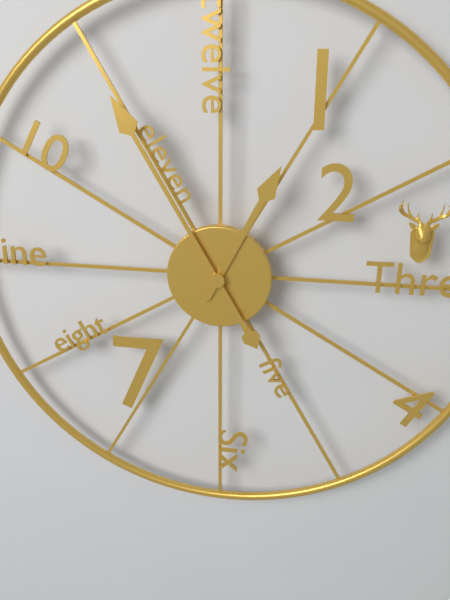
12h55
